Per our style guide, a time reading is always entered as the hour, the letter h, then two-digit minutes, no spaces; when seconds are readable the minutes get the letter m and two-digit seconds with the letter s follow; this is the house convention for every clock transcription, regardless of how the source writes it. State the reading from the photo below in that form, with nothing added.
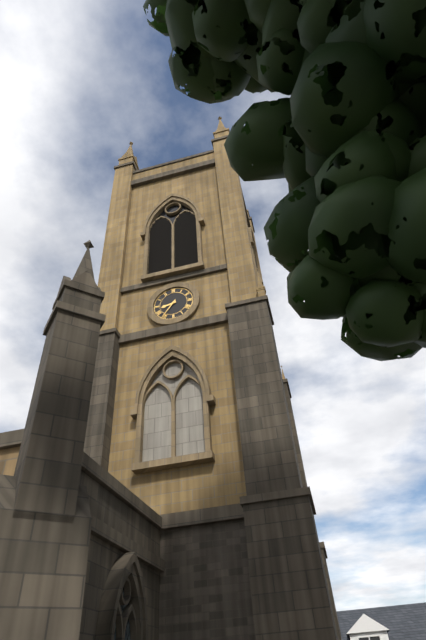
8h36
